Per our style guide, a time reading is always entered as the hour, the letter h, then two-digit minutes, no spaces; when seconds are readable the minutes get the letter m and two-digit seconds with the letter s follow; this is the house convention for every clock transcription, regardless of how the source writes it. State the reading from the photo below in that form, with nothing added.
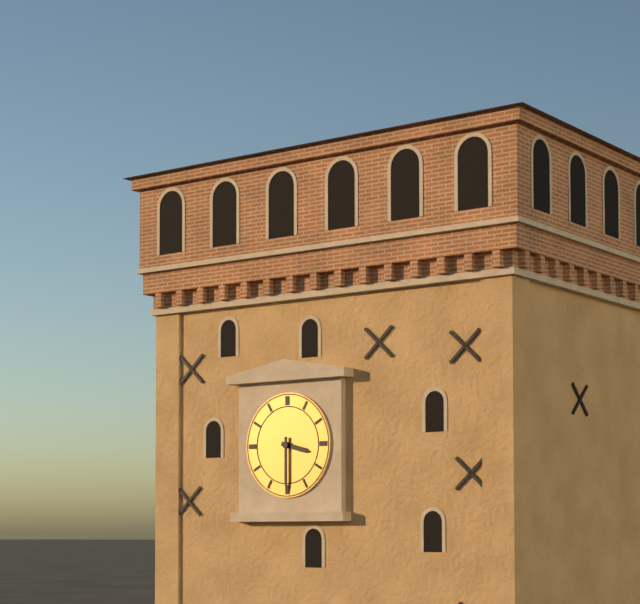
3h30
